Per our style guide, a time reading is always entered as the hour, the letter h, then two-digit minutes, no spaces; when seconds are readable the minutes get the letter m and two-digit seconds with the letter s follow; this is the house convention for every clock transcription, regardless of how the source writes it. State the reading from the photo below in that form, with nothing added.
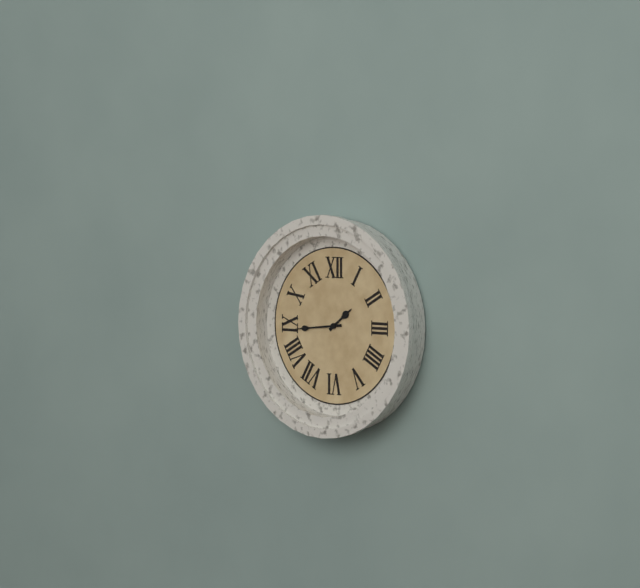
1h44
